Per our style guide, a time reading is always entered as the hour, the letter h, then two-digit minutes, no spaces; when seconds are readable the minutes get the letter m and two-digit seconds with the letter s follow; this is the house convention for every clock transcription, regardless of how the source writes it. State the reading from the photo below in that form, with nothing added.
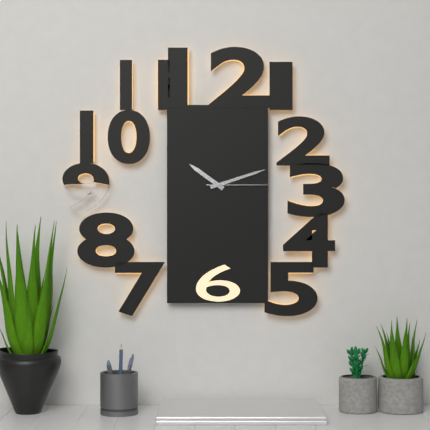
10h12m15s
